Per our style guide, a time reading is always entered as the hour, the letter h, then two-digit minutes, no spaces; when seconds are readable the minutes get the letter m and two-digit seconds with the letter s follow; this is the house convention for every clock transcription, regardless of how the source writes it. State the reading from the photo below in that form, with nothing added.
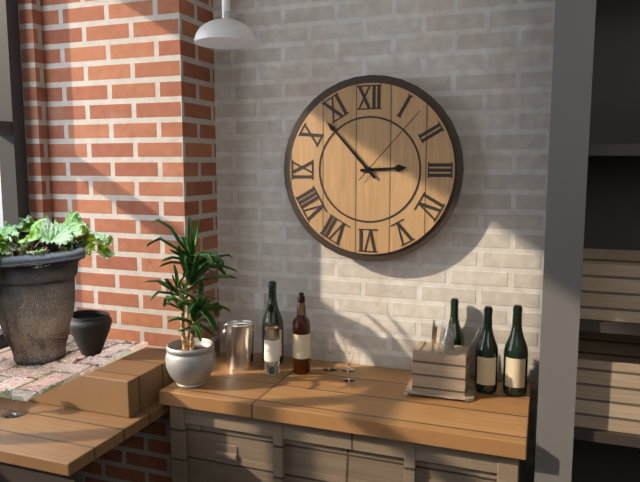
2h53m07s
